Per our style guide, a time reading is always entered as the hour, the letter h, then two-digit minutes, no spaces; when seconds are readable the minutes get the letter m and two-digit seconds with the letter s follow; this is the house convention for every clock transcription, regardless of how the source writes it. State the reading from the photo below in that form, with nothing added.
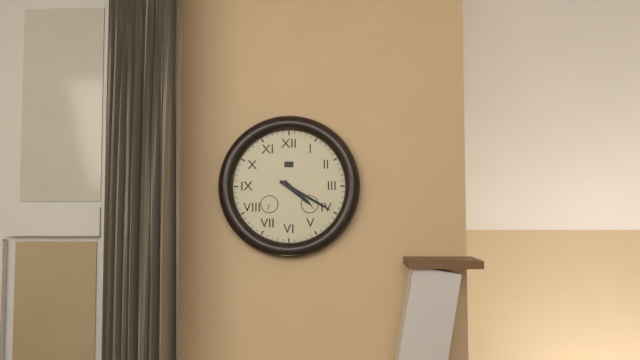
4h20
